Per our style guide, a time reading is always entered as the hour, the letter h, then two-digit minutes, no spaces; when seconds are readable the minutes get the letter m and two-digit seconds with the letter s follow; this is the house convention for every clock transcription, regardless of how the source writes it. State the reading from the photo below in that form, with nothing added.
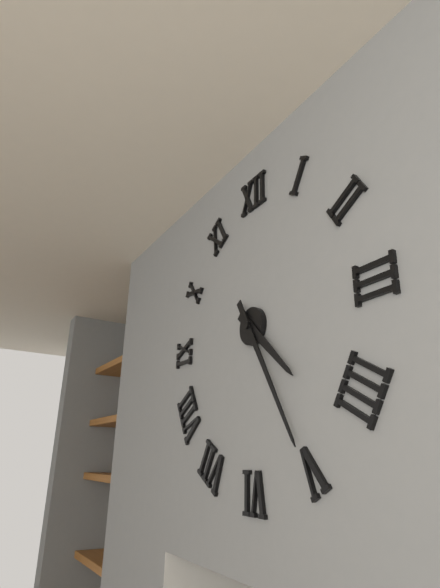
4h25
